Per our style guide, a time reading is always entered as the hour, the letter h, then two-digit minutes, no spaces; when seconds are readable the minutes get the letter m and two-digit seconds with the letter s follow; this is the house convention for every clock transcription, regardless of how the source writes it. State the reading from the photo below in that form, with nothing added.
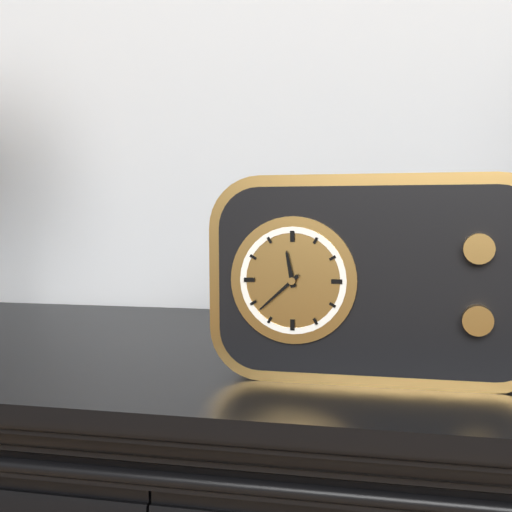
11h38
